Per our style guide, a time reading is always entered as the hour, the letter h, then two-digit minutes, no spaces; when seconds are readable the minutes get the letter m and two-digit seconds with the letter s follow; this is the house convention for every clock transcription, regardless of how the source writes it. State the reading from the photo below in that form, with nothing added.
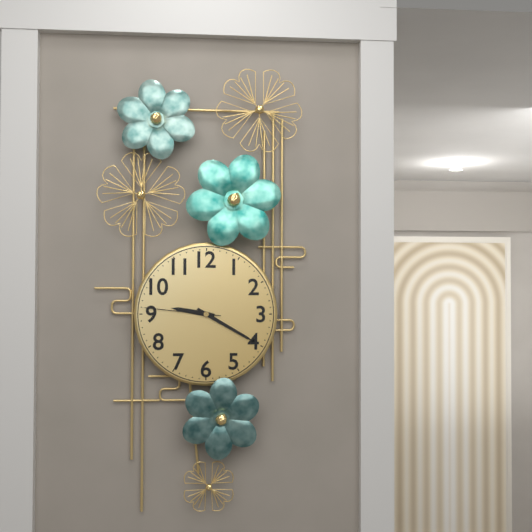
9h20m46s
